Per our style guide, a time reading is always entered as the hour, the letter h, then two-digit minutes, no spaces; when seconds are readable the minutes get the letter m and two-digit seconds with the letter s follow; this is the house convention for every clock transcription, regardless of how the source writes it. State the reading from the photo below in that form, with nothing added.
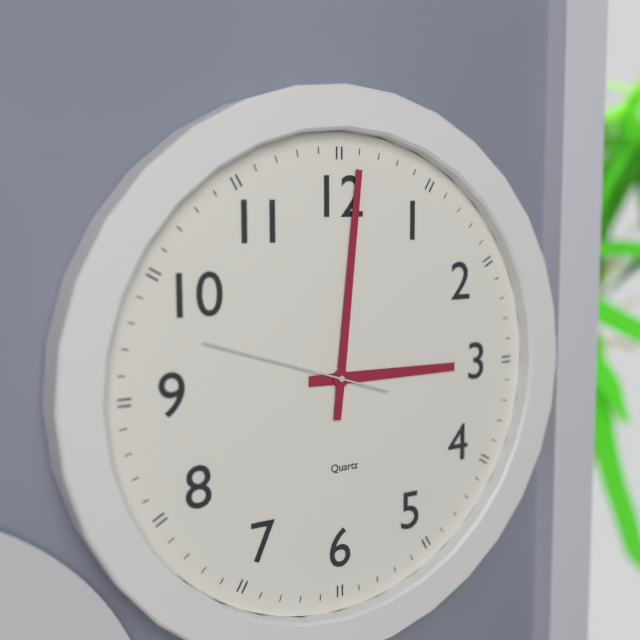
3h01m48s
